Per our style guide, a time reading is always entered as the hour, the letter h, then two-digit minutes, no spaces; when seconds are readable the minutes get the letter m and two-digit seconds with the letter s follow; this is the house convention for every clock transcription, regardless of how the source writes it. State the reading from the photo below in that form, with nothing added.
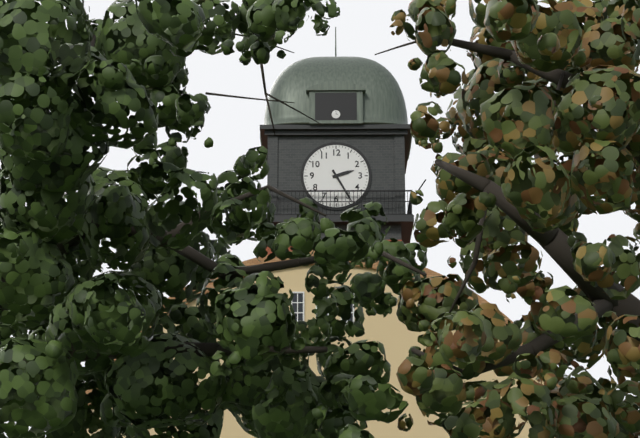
2h25
